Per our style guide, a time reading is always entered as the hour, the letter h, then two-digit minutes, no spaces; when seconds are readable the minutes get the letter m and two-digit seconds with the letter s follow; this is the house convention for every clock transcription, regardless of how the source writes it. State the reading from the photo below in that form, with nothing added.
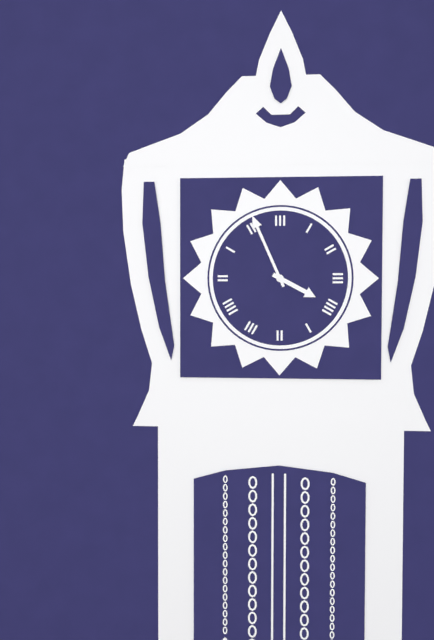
3h56
